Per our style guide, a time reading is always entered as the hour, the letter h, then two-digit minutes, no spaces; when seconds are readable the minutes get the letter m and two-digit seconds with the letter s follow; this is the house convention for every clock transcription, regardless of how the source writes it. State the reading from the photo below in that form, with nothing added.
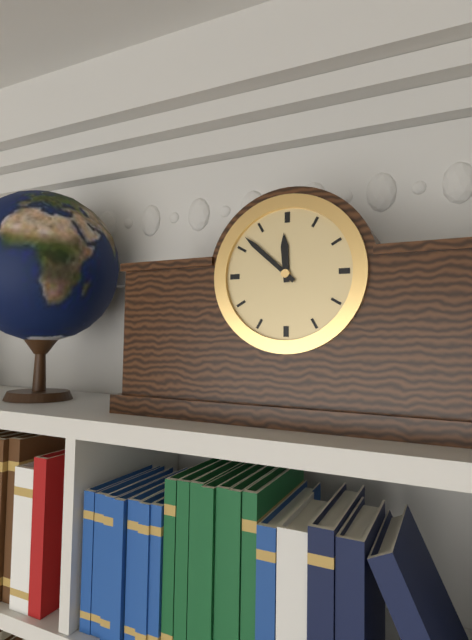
11h52
